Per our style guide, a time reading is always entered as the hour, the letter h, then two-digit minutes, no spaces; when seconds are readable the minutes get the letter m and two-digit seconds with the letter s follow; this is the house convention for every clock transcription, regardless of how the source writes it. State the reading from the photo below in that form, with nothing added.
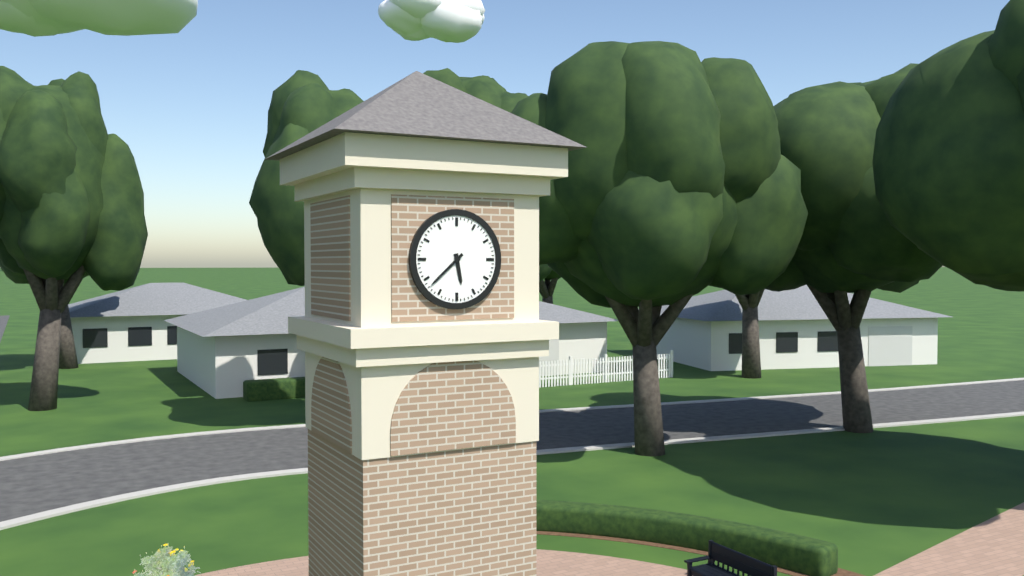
5h38
